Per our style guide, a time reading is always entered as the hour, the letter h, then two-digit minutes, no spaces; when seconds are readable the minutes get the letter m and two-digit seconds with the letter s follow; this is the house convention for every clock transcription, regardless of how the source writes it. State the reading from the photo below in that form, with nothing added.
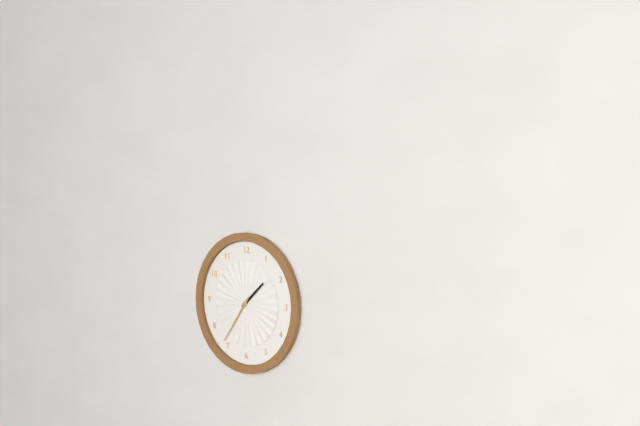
1h36
